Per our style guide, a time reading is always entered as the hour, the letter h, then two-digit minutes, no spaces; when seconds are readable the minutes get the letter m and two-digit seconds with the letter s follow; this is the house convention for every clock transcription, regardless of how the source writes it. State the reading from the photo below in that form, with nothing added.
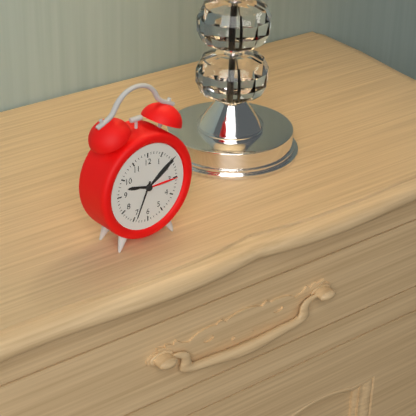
9h34
